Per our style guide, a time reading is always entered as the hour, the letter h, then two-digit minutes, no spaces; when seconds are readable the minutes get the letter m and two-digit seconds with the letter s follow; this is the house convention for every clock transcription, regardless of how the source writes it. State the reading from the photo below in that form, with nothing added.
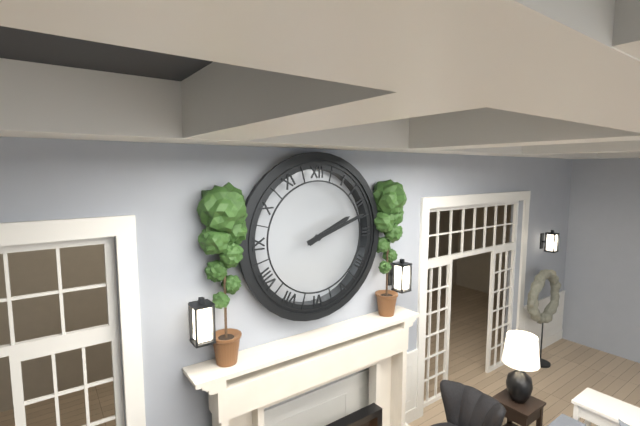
2h12
